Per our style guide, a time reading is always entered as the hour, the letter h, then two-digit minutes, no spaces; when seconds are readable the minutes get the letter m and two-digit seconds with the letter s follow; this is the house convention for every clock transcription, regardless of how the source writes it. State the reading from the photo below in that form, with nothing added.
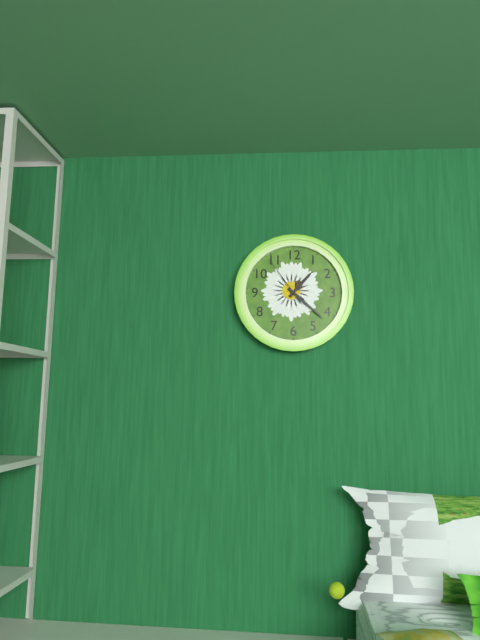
1h22m54s
